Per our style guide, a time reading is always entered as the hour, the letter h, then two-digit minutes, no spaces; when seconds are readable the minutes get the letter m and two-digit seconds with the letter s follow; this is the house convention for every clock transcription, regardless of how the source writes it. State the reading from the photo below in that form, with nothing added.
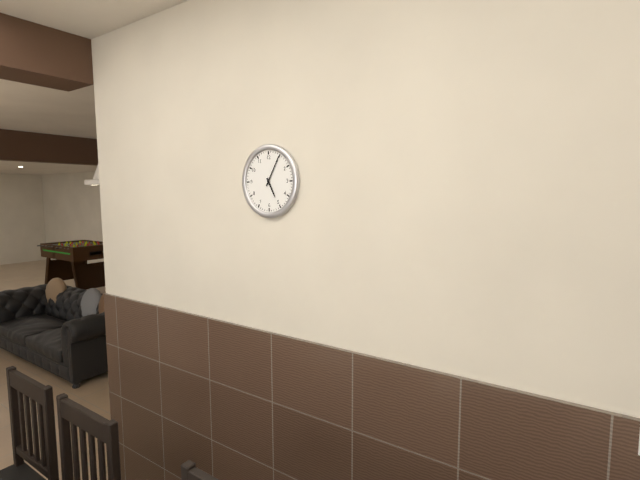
5h05
